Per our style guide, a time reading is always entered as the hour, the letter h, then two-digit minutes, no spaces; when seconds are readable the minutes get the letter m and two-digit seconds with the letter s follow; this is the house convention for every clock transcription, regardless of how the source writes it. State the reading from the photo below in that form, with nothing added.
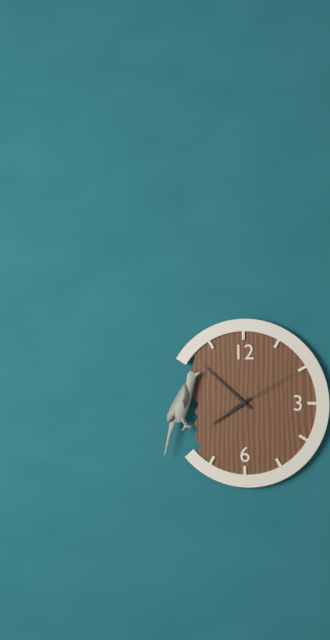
7h52m10s
